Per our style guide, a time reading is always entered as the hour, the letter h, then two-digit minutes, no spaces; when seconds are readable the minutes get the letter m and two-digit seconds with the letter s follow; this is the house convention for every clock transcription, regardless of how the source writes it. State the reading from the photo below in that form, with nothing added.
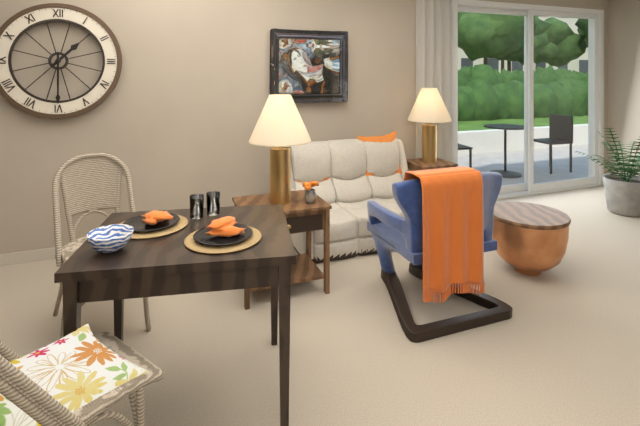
1h30
